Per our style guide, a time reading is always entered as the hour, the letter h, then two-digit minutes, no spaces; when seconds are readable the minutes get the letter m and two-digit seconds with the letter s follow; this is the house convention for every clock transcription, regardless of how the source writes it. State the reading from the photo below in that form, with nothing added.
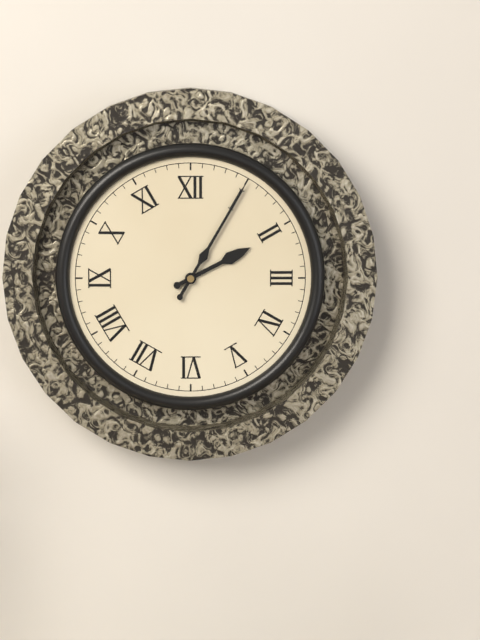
2h05
